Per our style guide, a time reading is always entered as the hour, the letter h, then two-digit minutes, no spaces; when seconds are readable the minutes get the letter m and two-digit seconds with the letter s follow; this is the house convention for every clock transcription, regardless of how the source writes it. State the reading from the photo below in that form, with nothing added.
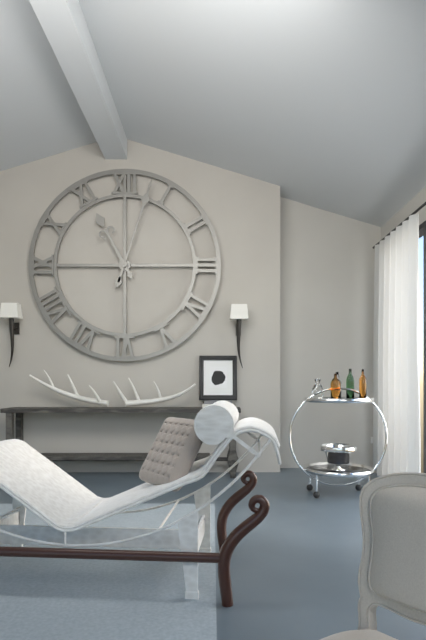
11h03
